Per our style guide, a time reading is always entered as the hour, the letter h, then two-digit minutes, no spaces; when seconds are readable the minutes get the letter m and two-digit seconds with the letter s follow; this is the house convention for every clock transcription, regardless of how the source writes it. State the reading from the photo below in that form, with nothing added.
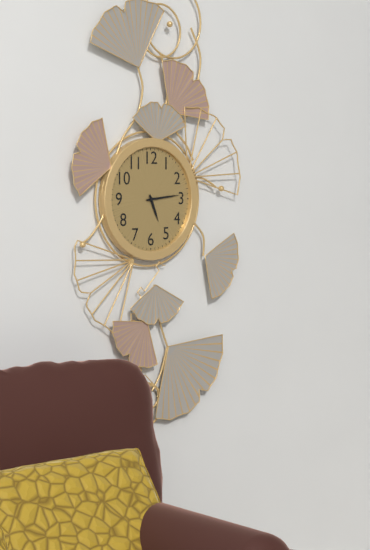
5h14
